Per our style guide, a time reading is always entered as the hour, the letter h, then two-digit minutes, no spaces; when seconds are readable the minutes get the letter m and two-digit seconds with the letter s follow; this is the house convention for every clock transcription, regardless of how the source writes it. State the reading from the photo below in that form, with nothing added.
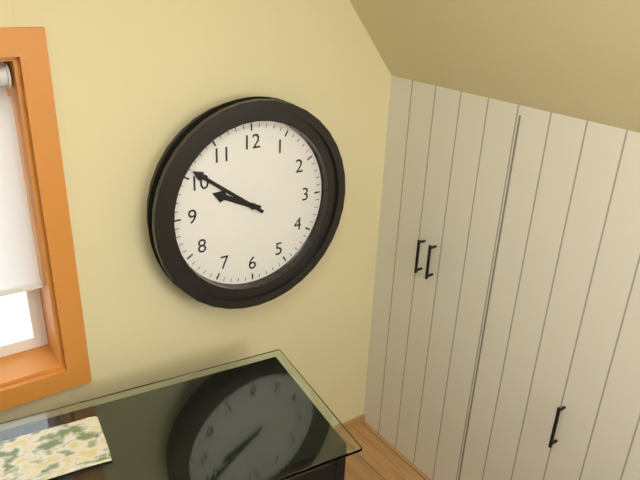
9h51
